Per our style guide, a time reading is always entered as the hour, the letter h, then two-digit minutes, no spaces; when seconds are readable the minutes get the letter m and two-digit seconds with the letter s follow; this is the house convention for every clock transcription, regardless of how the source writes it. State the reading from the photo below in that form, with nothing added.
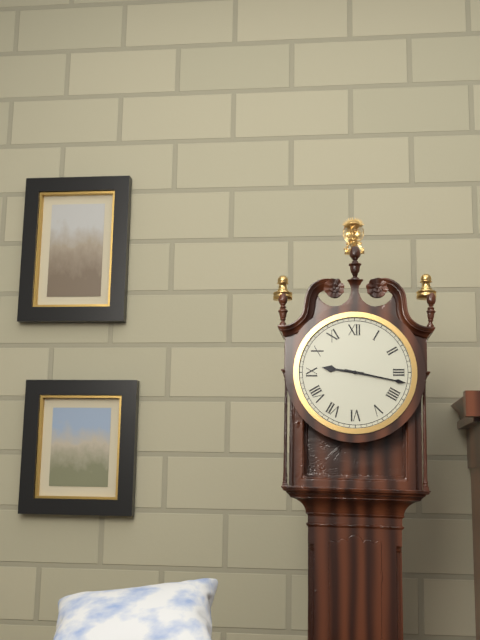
9h17
